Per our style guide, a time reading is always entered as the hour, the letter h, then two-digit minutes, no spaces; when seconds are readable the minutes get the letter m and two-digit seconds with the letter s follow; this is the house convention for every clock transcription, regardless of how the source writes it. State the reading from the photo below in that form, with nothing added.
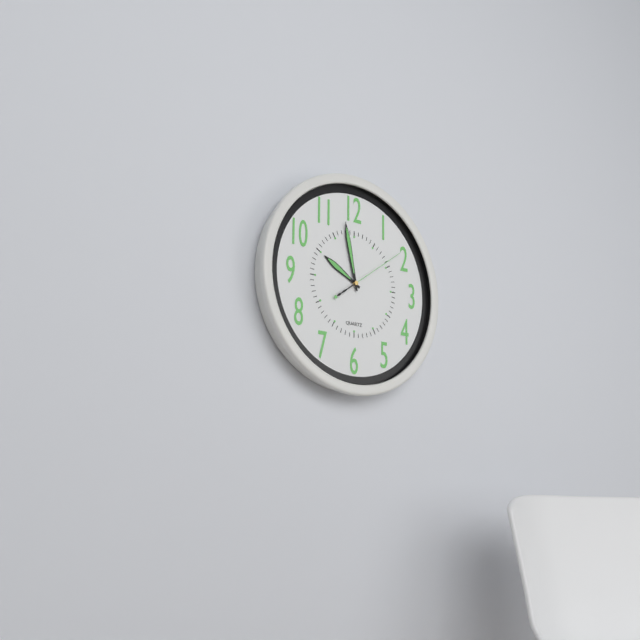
9h58m09s
